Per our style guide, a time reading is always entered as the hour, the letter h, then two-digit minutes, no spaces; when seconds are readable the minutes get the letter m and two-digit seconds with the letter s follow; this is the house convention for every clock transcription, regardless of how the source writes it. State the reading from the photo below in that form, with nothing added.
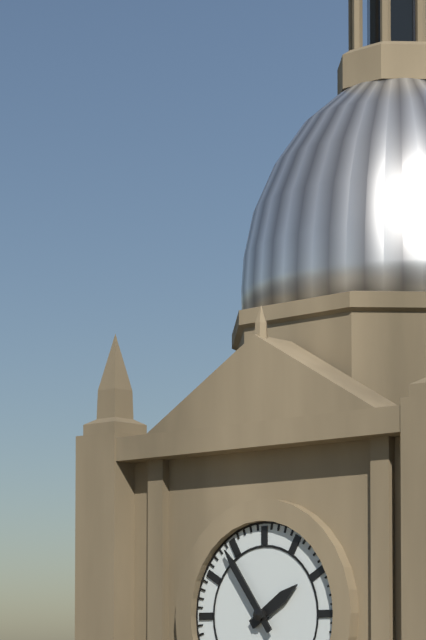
1h54
